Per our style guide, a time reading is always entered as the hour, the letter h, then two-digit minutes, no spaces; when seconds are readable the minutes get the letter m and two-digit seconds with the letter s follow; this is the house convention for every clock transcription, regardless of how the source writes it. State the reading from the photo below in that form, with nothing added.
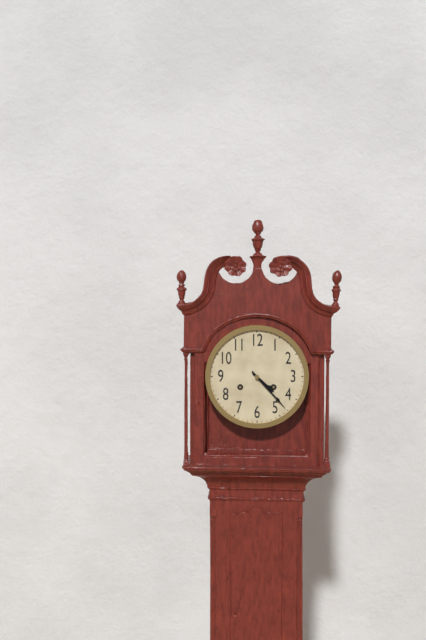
4h23
